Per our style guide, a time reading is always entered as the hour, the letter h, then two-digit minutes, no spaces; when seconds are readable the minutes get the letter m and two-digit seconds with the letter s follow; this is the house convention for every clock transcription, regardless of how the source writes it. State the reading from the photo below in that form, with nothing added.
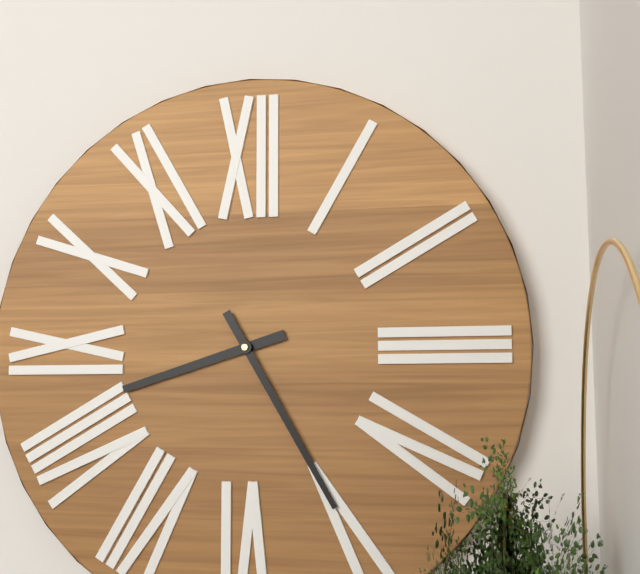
8h25
